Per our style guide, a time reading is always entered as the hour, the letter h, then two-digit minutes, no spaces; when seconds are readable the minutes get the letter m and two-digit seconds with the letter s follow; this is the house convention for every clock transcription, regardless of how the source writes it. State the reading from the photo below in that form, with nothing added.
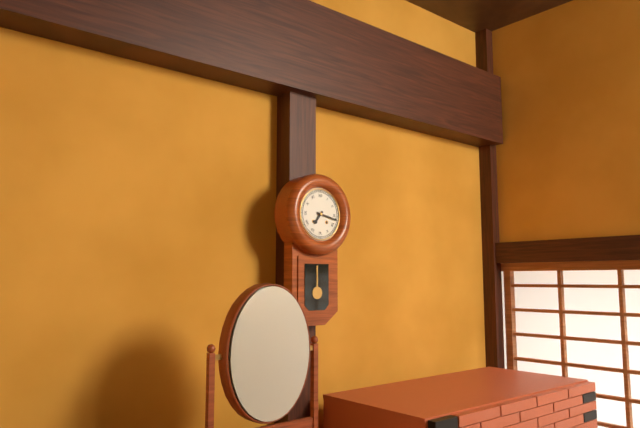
7h17
